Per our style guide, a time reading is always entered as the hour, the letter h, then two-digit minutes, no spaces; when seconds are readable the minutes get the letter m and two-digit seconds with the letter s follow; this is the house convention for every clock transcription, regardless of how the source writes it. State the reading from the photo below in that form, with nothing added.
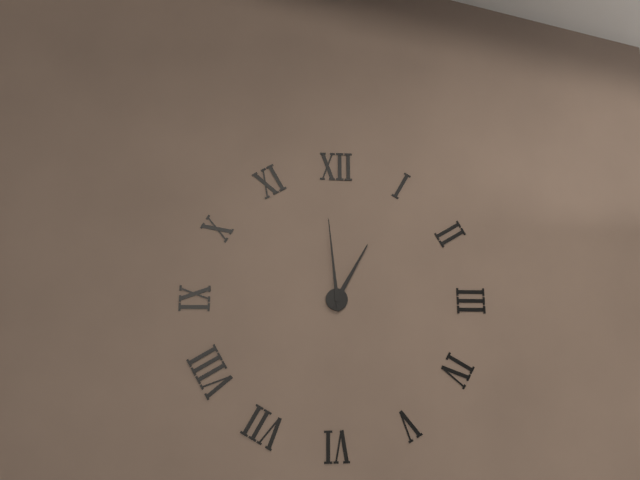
12h59
